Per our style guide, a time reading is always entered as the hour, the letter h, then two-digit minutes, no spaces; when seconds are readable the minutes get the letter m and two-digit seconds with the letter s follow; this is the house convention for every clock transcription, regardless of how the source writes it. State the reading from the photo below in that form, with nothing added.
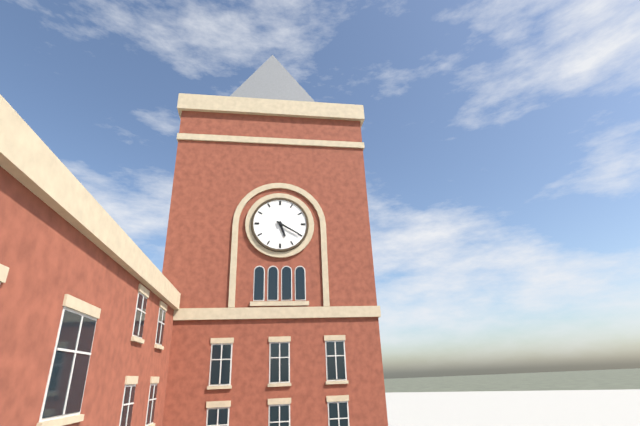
5h20
